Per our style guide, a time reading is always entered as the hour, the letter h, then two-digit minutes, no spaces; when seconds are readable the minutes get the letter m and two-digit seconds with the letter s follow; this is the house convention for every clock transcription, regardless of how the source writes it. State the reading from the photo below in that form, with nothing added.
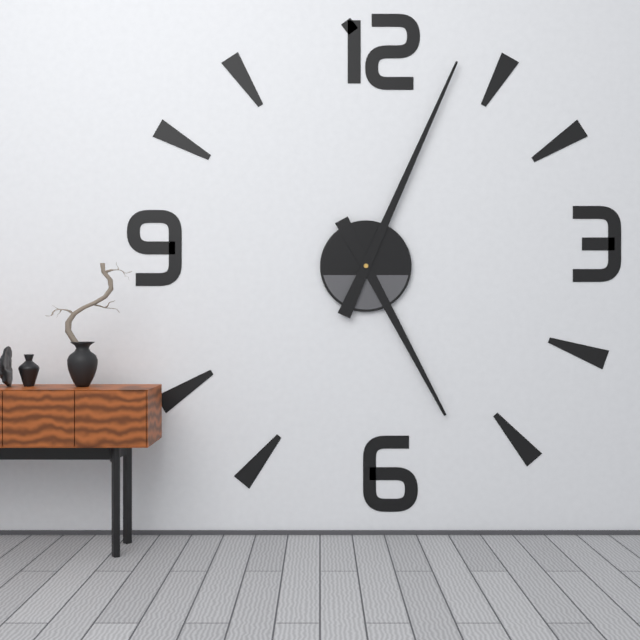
5h04
